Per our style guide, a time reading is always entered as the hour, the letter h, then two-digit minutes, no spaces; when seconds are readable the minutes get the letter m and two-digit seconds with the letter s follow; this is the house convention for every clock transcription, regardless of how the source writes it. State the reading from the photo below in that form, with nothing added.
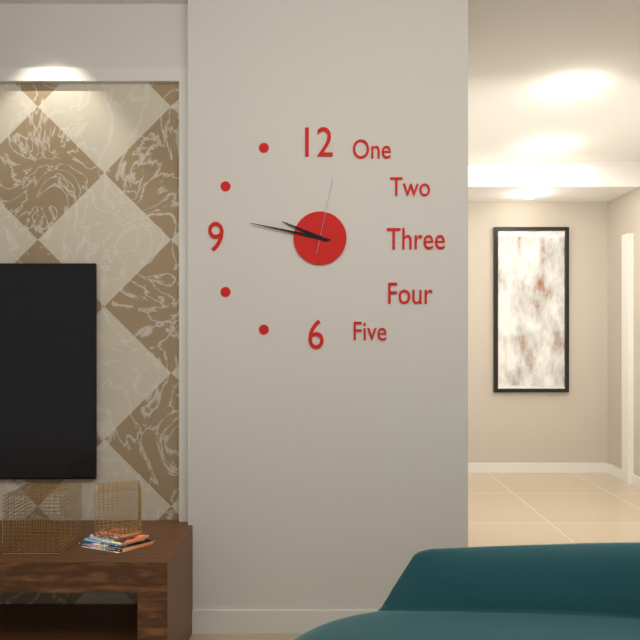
9h47m02s
